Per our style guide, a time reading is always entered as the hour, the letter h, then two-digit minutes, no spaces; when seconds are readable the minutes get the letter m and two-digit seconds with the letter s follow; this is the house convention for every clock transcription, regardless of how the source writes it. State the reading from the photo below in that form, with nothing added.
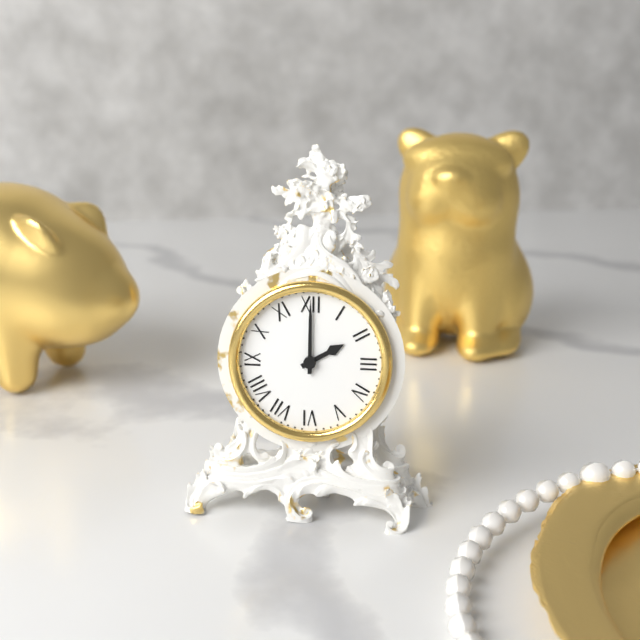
2h00
